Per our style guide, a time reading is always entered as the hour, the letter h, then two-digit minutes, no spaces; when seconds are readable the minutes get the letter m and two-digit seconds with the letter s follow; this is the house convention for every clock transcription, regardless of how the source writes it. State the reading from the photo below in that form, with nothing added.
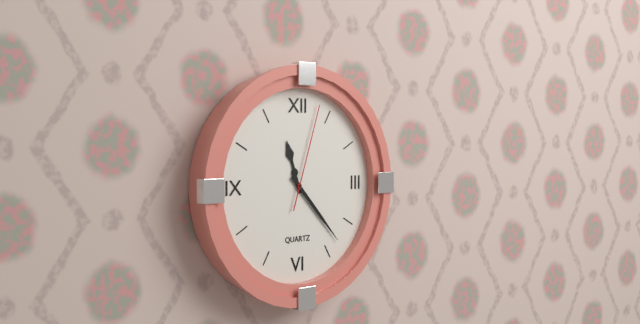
11h23m03s
